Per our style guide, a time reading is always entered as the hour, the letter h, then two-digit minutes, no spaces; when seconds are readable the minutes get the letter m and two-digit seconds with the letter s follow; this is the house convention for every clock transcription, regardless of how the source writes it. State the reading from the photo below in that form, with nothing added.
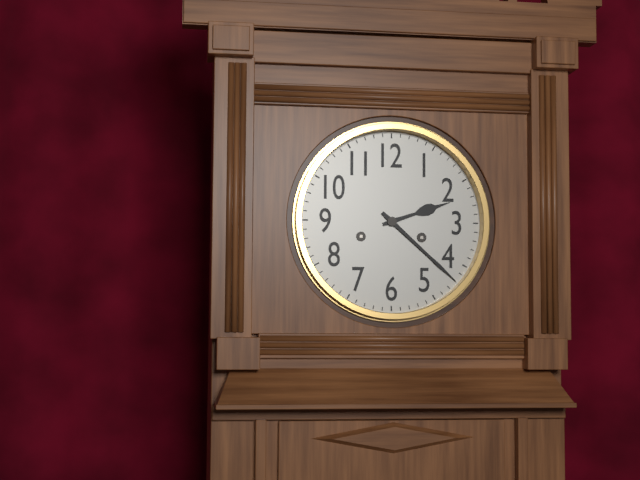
2h22
